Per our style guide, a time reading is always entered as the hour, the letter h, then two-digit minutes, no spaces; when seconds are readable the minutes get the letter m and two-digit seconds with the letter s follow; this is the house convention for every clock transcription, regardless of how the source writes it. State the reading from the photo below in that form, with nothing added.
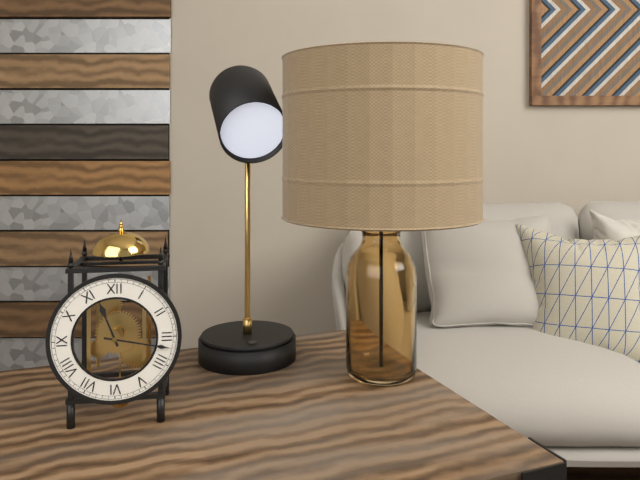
11h17
